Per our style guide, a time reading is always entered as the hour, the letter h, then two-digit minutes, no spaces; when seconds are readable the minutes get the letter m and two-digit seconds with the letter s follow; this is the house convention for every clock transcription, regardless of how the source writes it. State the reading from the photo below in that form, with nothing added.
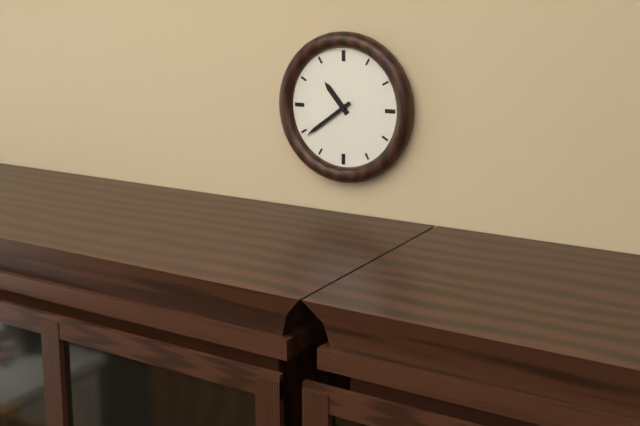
10h39
